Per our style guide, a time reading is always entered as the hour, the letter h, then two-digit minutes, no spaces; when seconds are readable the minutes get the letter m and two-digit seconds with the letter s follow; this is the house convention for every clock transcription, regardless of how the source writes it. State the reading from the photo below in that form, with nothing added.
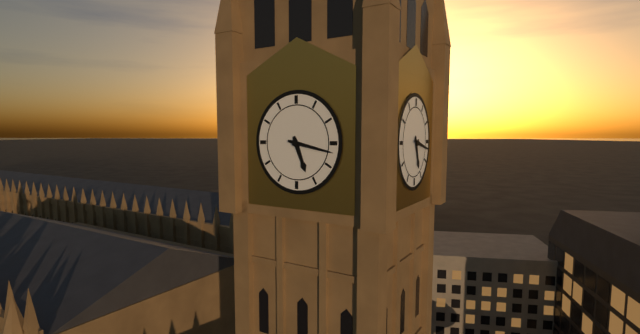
5h17
